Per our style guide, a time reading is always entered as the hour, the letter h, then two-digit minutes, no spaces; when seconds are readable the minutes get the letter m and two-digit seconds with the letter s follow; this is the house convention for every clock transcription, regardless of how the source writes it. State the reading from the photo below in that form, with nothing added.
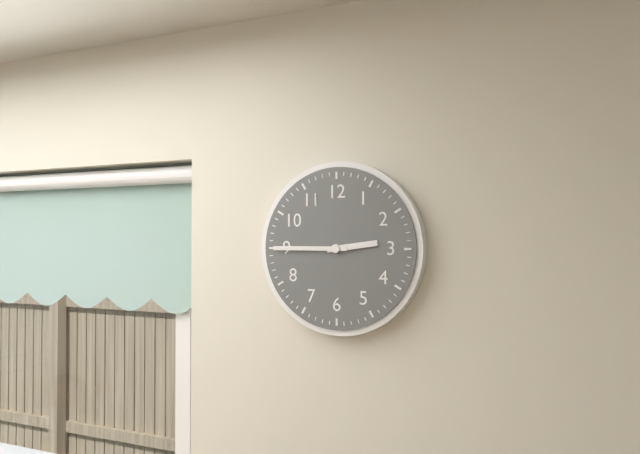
2h45
